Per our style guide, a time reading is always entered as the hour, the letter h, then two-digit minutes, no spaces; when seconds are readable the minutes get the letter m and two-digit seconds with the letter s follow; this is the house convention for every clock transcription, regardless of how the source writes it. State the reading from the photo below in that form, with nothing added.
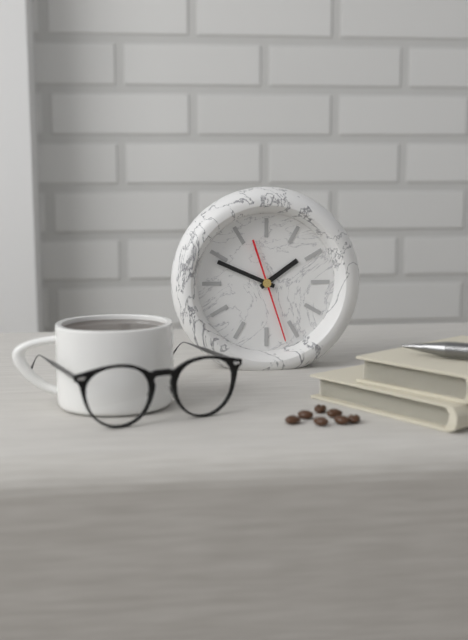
1h49m27s
